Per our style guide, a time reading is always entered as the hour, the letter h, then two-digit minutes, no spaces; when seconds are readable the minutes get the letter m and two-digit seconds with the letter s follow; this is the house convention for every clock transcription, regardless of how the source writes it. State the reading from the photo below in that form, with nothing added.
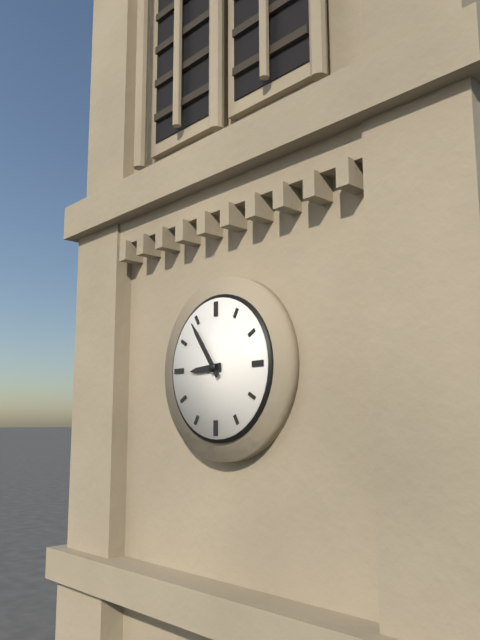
8h54
